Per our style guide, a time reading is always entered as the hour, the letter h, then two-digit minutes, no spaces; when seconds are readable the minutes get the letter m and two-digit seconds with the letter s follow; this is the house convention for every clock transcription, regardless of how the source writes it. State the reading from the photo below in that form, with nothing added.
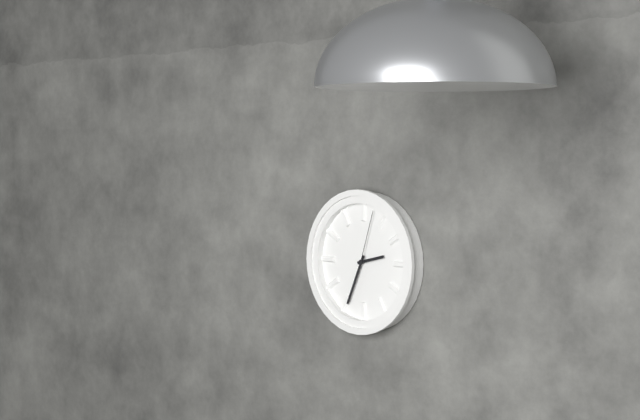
2h34m03s
